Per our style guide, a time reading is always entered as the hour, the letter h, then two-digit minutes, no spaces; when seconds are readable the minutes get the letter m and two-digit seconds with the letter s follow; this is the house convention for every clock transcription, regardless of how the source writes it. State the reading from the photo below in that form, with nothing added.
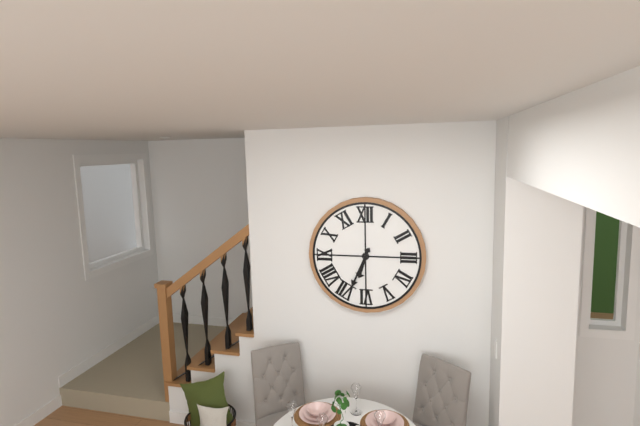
6h34
